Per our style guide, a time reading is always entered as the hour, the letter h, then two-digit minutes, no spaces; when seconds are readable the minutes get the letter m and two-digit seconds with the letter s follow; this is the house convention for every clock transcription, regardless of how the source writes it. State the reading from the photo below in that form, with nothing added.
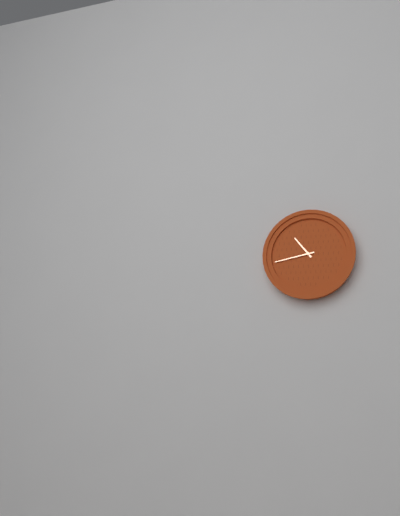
10h43
